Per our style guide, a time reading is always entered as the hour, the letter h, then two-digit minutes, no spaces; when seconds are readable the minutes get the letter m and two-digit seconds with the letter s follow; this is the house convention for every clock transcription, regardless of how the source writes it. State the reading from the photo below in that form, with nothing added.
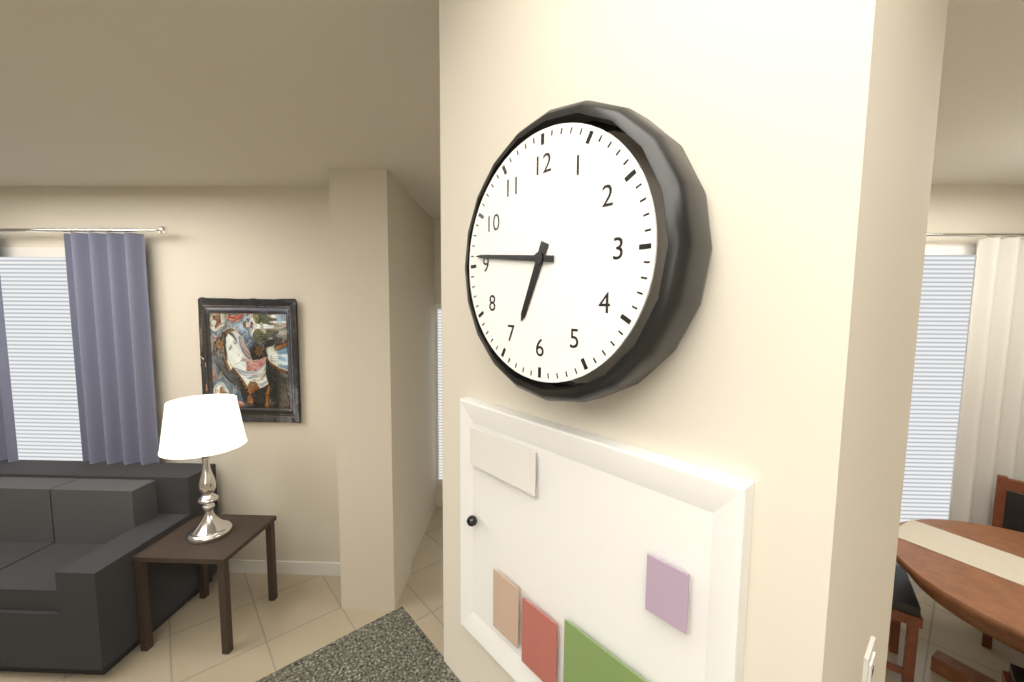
6h46
